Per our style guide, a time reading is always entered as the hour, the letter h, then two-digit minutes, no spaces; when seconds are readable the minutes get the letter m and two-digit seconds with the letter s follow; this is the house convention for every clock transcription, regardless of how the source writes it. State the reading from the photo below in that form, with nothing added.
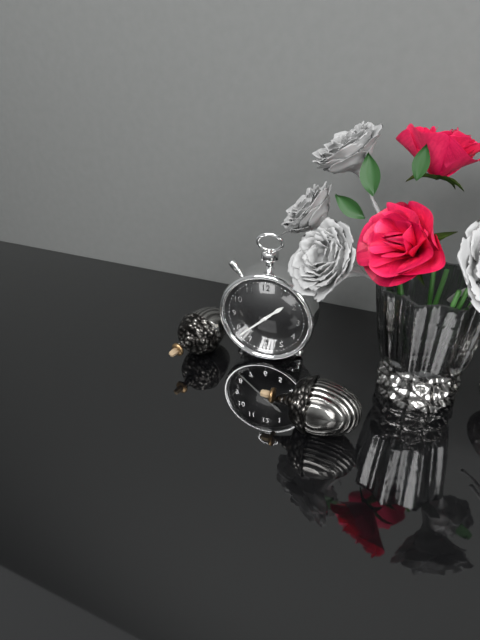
1h38
